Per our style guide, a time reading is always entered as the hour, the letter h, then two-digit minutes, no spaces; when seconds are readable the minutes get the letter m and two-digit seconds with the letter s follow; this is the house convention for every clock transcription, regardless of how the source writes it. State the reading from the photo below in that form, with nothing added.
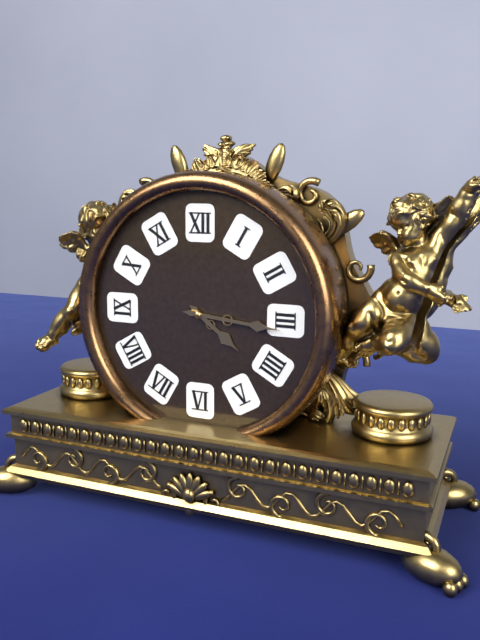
4h16
